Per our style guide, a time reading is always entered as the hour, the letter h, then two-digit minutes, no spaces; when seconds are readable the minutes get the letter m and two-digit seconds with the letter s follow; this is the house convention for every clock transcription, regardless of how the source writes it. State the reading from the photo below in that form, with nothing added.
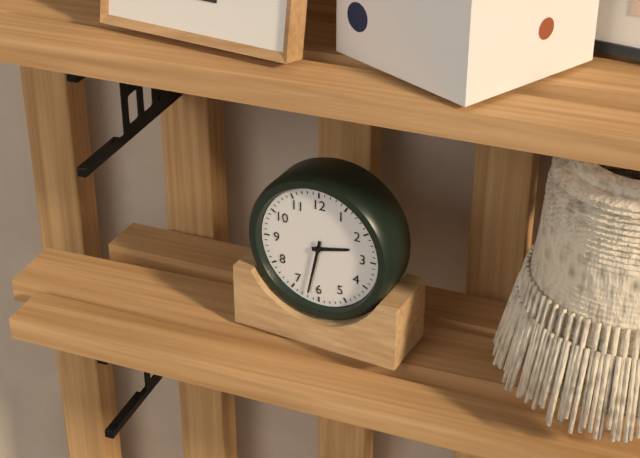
2h32
